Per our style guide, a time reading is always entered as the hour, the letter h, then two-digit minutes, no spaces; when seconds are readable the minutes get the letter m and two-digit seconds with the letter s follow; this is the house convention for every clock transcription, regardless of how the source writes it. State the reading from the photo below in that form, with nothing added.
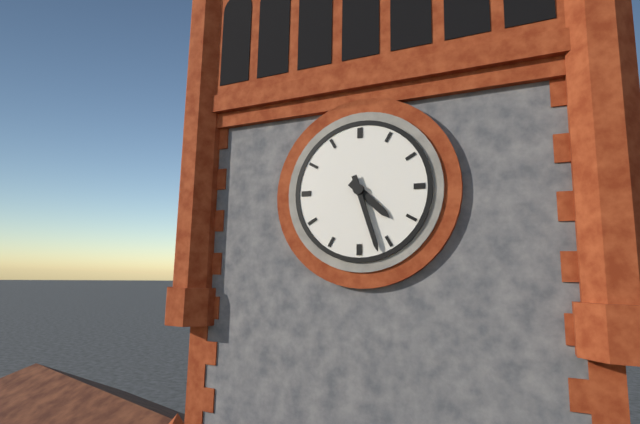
4h27
